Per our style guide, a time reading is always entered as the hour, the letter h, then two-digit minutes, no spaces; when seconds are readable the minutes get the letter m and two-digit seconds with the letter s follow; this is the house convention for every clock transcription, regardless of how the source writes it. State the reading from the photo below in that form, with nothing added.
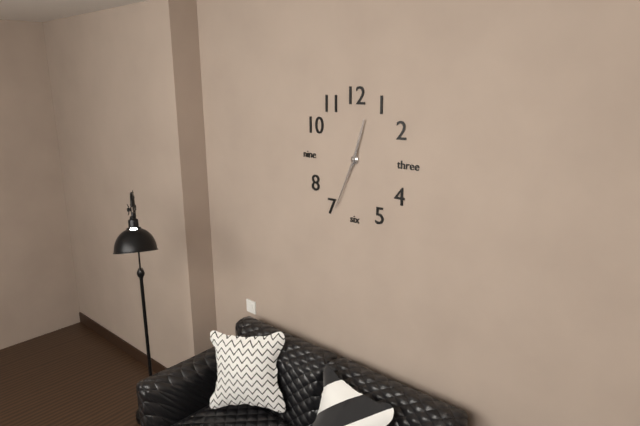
12h34
